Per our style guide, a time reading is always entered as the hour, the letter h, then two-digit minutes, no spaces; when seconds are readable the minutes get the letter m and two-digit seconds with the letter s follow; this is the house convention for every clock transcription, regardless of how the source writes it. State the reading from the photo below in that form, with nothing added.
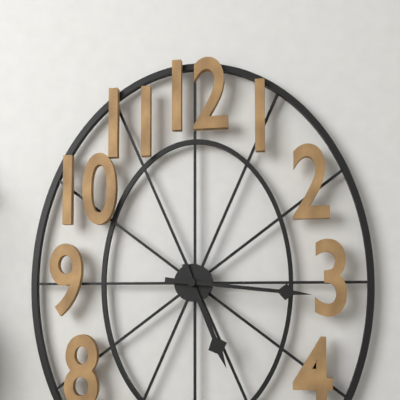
5h16
